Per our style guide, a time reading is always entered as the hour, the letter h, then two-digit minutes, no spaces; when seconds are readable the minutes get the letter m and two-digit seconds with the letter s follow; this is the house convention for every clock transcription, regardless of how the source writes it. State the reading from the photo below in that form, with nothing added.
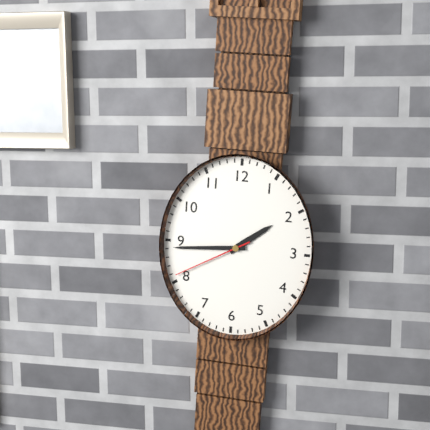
1h44m40s
